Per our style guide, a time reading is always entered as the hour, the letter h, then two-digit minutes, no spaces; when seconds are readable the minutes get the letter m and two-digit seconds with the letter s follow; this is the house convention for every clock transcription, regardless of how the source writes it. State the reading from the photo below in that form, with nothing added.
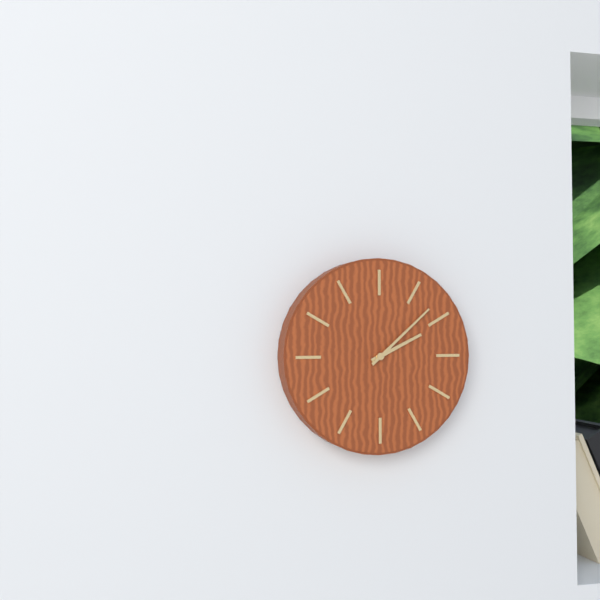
2h08
